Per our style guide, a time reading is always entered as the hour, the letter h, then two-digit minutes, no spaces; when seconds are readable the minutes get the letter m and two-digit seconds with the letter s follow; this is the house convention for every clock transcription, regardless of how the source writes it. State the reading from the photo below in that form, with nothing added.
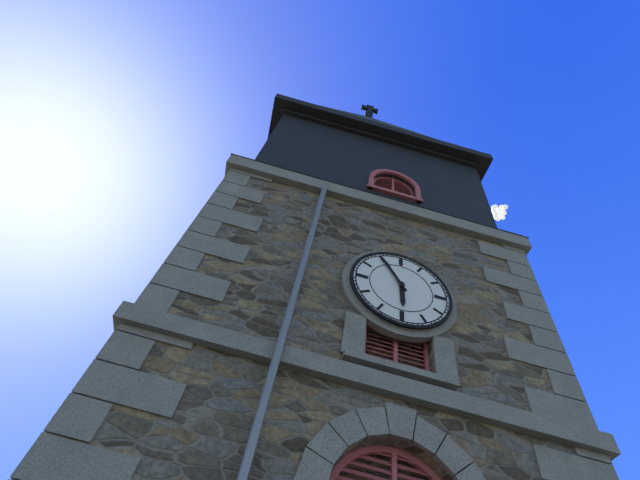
5h55
